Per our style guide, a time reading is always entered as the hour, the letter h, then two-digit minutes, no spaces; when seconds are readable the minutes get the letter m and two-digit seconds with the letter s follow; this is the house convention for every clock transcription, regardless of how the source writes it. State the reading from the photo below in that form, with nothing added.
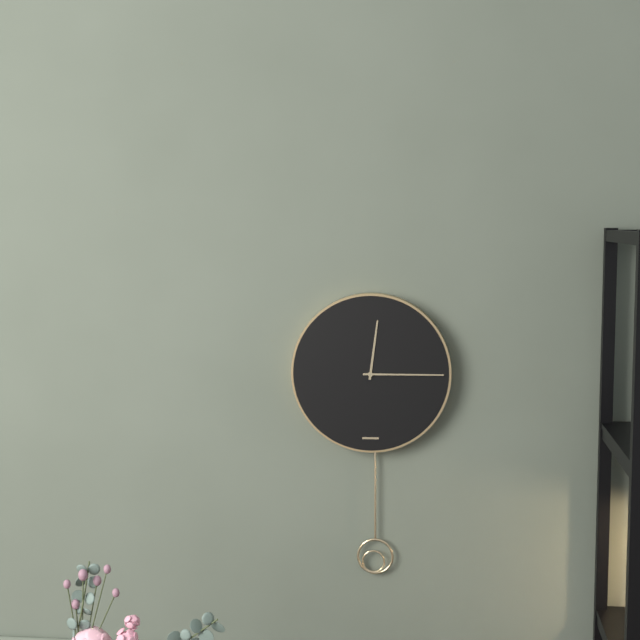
12h15
